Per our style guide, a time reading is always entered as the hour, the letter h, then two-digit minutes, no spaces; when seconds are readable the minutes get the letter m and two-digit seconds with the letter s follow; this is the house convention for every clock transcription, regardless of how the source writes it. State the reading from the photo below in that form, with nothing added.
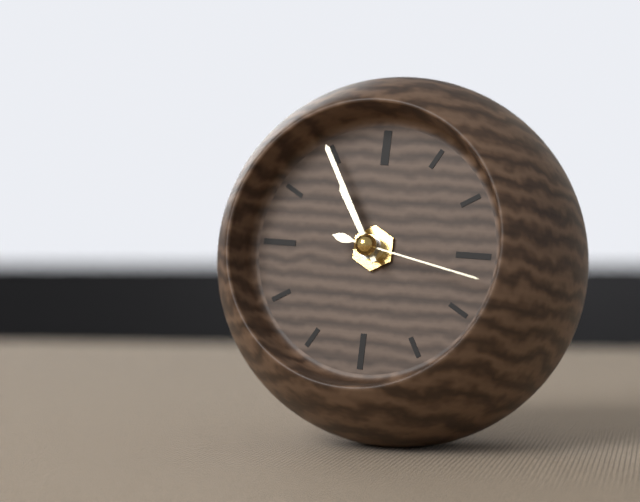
10h55m17s
